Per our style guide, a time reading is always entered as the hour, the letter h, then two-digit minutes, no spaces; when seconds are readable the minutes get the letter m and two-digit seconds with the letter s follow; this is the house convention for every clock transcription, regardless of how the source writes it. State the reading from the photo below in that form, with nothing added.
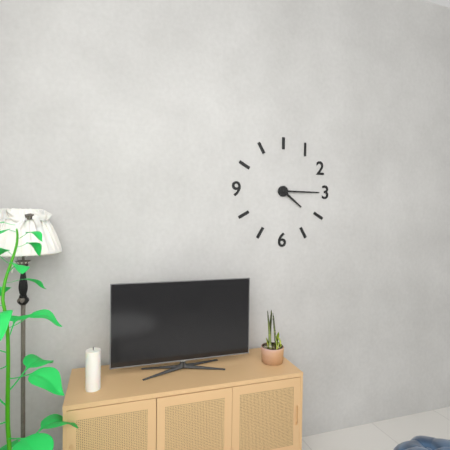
4h15
